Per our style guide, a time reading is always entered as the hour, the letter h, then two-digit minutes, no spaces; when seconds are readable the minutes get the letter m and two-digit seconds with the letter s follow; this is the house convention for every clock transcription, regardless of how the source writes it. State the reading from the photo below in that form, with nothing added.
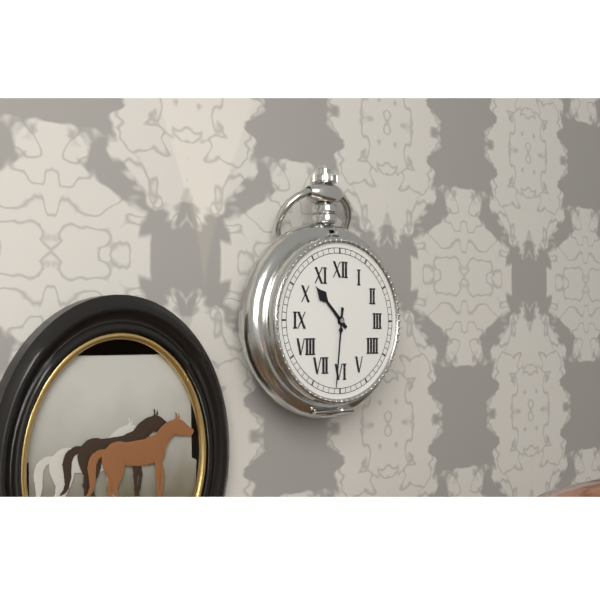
10h31
